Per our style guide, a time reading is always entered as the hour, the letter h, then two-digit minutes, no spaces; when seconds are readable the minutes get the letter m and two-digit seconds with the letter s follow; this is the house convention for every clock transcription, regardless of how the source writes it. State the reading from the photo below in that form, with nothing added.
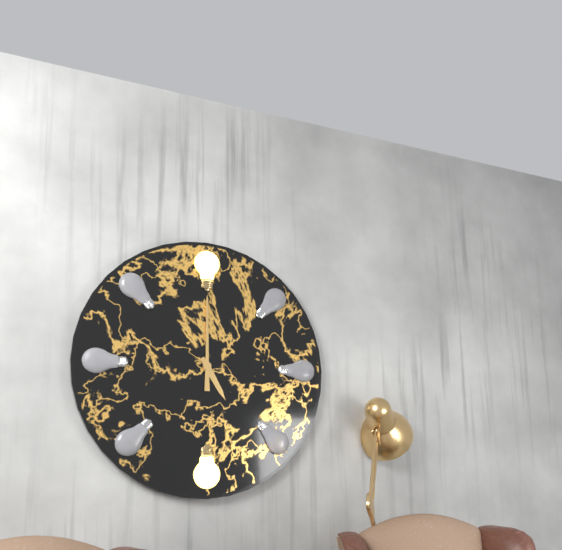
5h00
